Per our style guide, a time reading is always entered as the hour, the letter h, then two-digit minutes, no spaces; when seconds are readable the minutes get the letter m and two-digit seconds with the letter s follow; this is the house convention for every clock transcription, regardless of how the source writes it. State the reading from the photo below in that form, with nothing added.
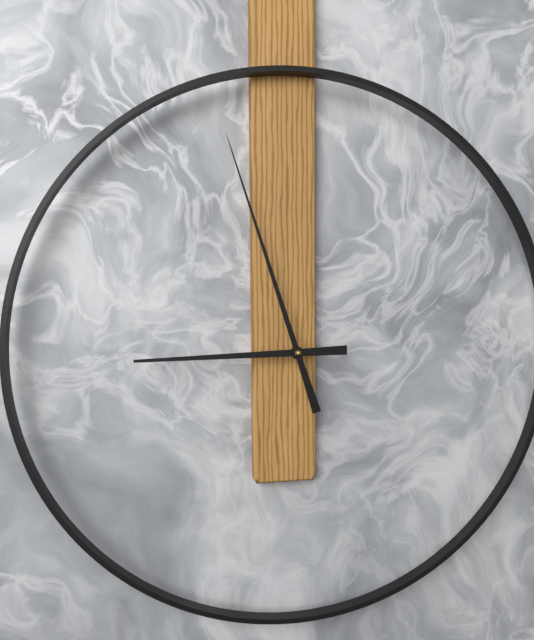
8h57
